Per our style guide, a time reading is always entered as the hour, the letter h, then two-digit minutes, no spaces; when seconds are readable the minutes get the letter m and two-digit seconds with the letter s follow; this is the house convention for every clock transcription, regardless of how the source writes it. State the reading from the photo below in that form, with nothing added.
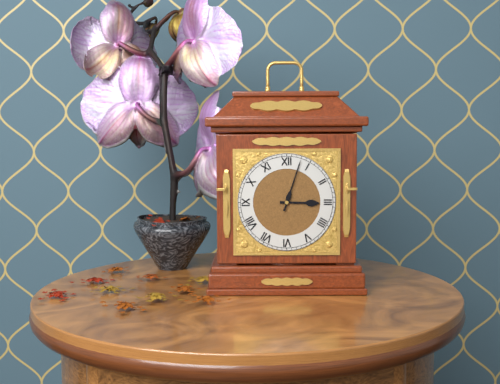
3h03
